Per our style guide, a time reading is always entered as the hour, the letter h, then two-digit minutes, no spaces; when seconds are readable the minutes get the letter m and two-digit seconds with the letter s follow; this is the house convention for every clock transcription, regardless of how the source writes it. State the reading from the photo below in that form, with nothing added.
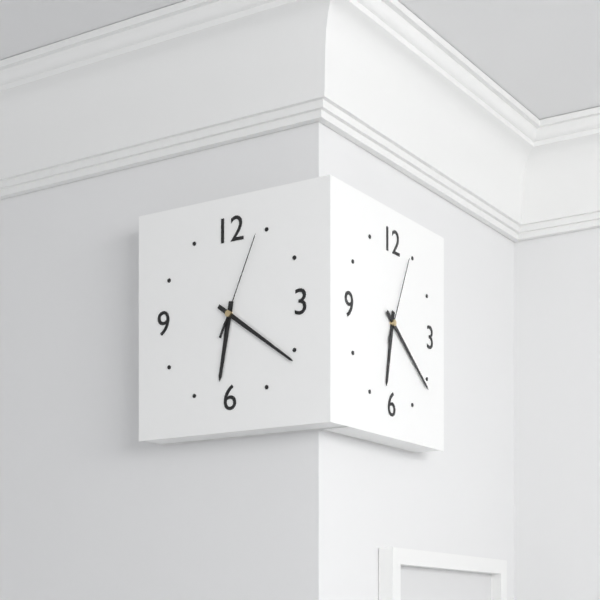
6h21m04s
